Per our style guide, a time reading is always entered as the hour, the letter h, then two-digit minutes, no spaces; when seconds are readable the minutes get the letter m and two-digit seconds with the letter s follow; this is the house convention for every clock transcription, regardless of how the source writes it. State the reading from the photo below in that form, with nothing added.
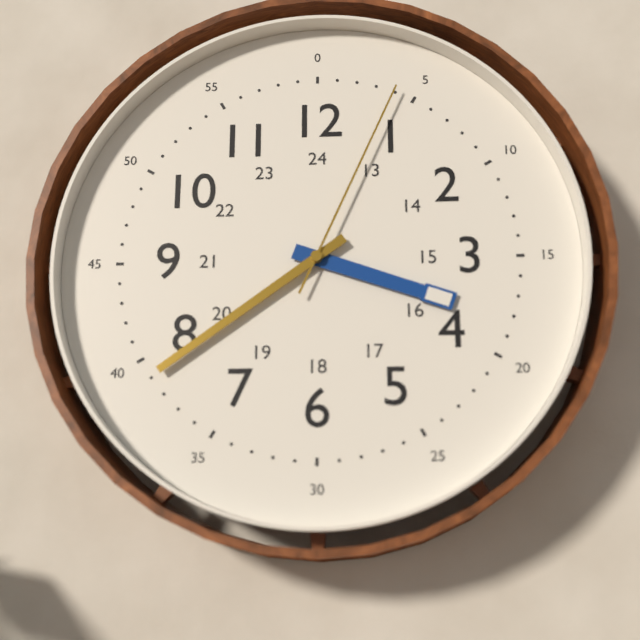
3h39m04s
